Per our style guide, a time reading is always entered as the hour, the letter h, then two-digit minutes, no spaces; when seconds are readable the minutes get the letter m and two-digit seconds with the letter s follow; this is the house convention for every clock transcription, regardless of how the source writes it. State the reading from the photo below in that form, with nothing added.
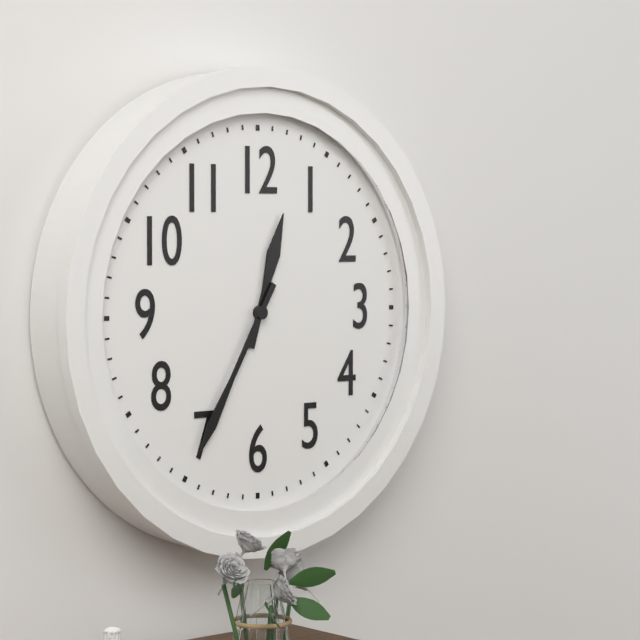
12h35
